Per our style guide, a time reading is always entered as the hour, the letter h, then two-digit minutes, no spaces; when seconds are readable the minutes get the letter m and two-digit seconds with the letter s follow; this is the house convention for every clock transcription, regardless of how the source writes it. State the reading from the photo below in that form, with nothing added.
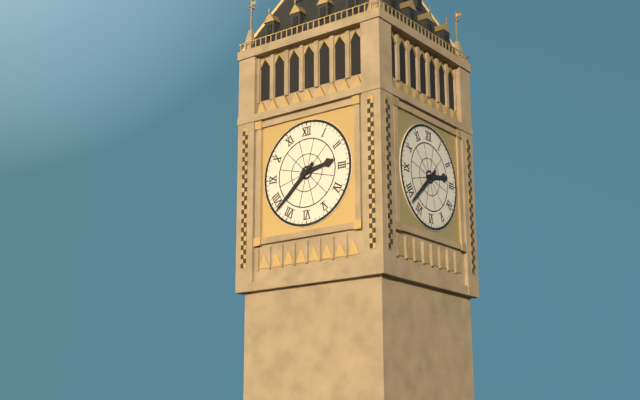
2h38
